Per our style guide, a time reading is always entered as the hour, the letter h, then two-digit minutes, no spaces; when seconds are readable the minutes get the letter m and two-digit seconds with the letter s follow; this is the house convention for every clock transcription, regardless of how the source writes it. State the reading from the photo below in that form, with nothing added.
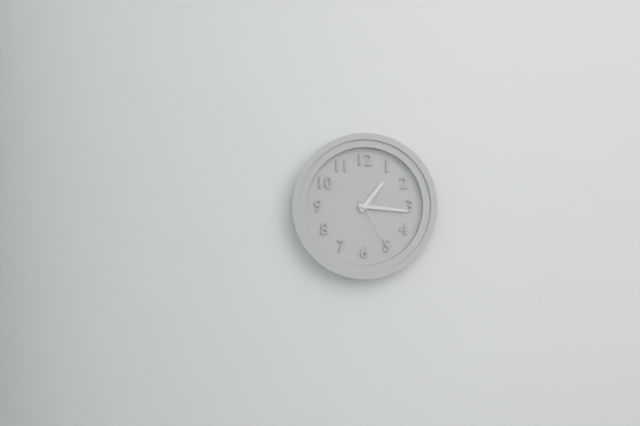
1h16m25s
